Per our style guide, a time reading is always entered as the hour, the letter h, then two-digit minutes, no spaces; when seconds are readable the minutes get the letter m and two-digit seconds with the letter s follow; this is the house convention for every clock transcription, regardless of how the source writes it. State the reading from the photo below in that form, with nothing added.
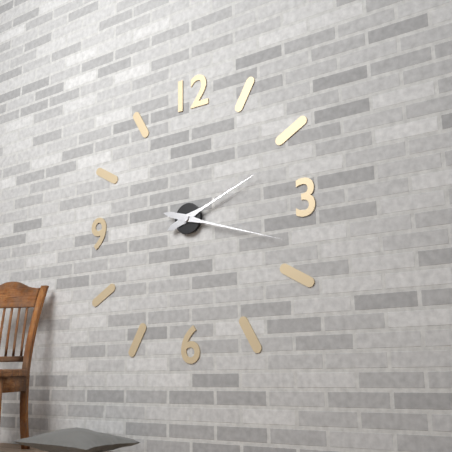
2h18
